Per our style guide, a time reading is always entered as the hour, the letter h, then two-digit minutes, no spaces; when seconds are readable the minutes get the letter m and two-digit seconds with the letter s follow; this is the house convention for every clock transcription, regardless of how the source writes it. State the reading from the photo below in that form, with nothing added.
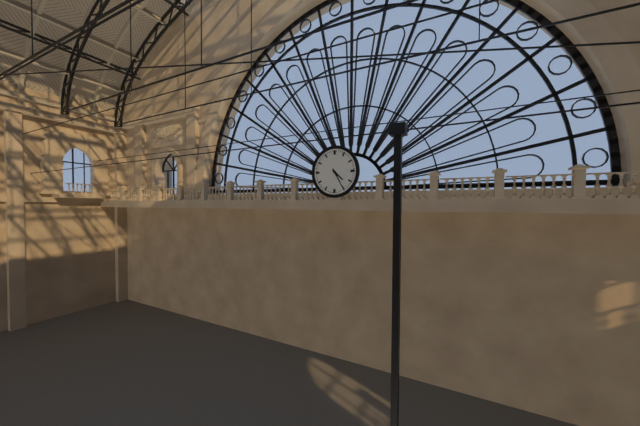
4h25
